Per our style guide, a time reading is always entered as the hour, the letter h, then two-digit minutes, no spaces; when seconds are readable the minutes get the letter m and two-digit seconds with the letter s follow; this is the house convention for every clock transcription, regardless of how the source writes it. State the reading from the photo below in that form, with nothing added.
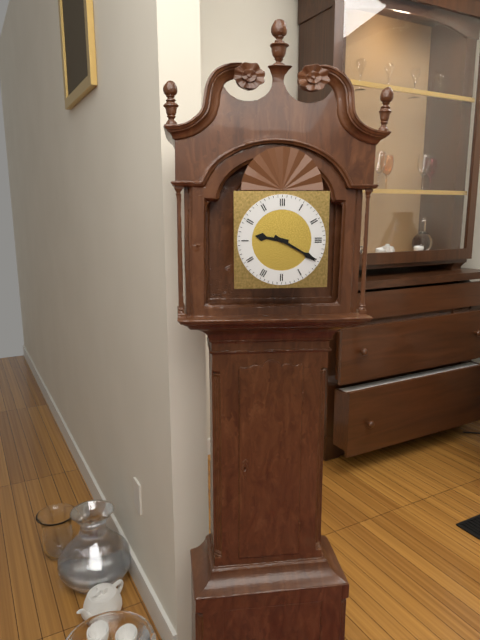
9h20
